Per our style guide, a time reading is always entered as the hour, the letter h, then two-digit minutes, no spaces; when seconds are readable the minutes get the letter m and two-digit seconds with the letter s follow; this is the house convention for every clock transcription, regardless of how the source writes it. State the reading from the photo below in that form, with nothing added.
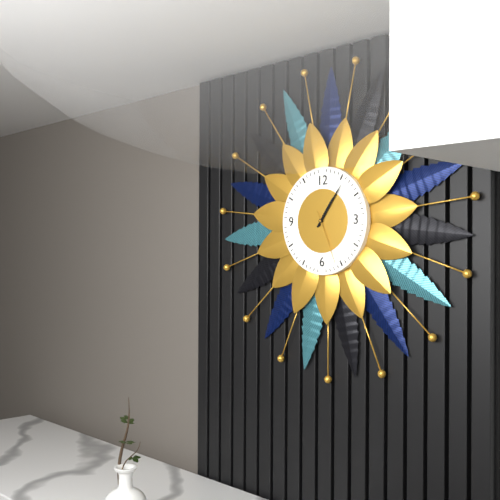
1h06m26s
